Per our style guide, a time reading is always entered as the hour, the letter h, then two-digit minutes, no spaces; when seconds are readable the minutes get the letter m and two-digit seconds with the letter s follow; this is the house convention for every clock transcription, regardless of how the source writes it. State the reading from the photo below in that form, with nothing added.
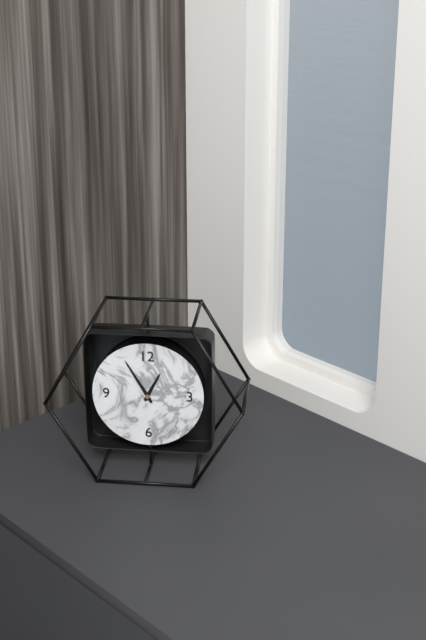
12h55
